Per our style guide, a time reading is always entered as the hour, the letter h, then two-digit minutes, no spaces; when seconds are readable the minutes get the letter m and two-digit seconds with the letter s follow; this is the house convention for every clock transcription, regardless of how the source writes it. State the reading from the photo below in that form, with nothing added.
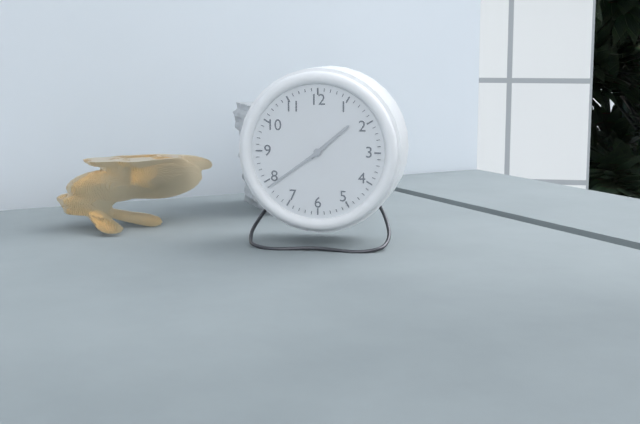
1h39
